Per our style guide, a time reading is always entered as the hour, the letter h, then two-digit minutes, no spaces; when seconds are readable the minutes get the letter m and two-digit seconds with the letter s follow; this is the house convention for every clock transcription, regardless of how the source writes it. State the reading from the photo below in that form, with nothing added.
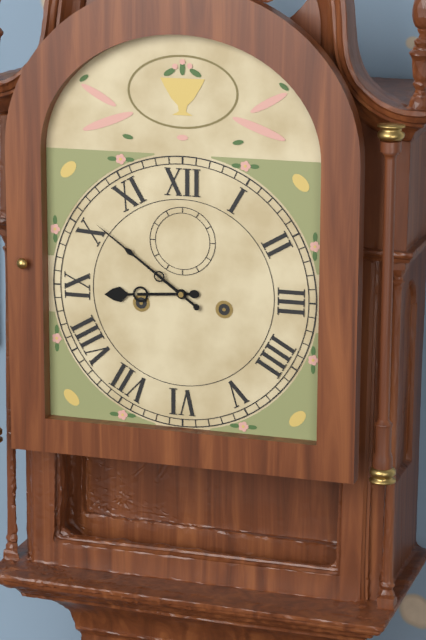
8h51
